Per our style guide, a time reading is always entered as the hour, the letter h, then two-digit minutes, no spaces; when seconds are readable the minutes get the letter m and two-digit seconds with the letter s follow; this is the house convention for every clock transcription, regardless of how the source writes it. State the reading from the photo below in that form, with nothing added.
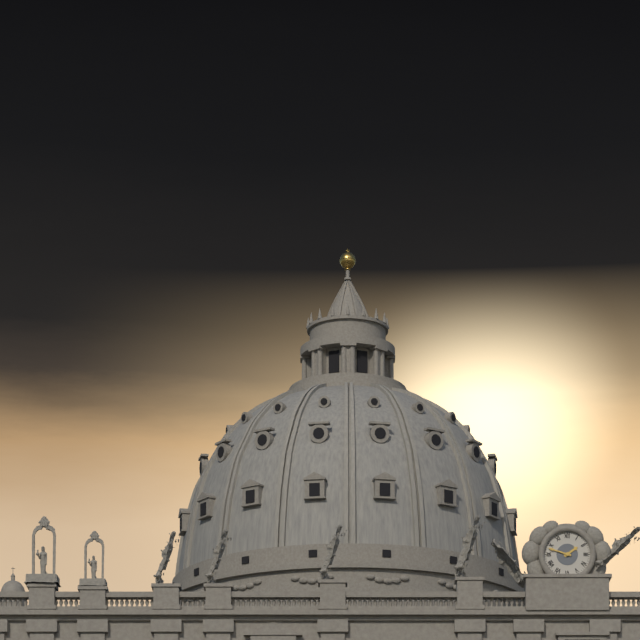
1h48
